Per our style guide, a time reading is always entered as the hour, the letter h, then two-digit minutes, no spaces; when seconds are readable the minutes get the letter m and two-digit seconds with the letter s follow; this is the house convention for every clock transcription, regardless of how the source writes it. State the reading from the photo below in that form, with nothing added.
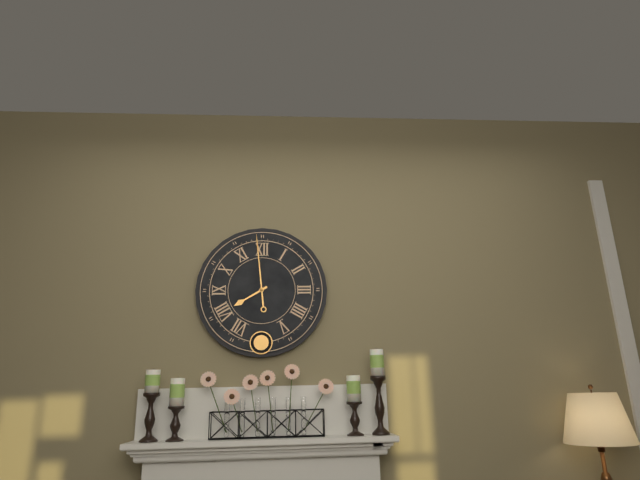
7h59
